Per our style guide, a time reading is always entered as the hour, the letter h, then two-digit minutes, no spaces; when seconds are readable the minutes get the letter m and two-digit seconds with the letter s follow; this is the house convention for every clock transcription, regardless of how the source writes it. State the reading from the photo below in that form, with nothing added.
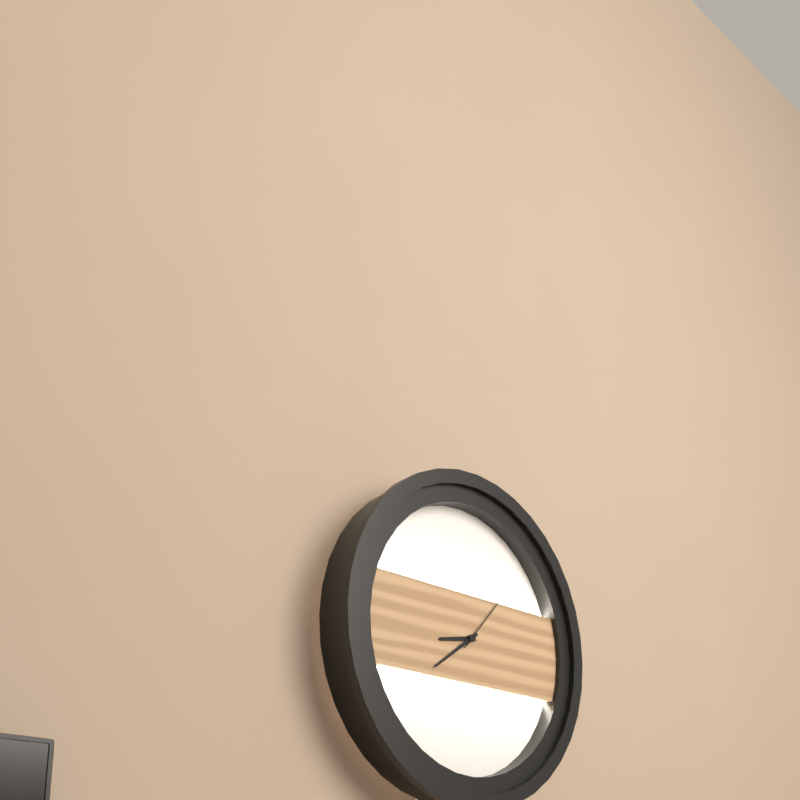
8h39m07s
